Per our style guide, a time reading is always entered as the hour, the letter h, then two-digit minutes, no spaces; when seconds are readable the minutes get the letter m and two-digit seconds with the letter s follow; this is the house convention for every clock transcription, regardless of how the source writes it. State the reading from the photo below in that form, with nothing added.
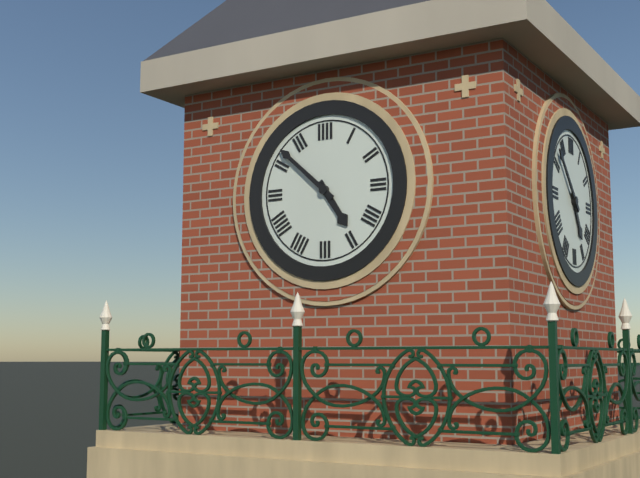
4h52
